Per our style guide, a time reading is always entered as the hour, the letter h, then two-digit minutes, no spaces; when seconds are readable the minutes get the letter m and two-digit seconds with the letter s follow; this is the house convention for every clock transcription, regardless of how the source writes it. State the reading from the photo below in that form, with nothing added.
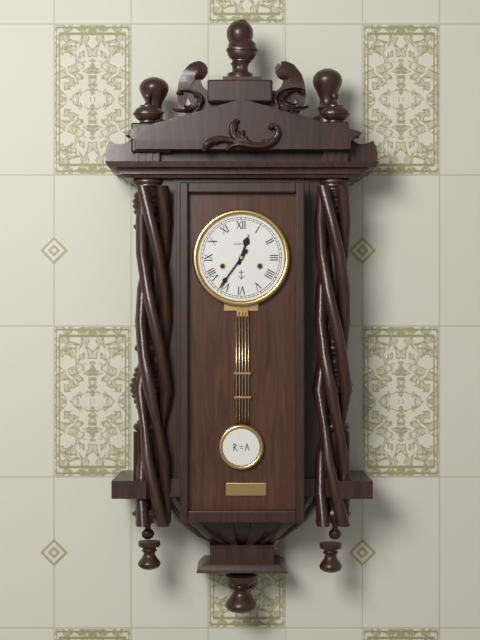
12h36
